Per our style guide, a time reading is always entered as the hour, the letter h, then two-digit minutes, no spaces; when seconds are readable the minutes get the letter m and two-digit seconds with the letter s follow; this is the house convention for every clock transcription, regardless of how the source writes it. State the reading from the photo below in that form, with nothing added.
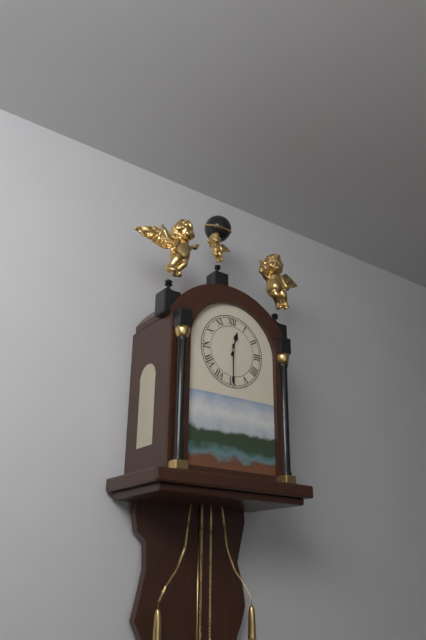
12h30
